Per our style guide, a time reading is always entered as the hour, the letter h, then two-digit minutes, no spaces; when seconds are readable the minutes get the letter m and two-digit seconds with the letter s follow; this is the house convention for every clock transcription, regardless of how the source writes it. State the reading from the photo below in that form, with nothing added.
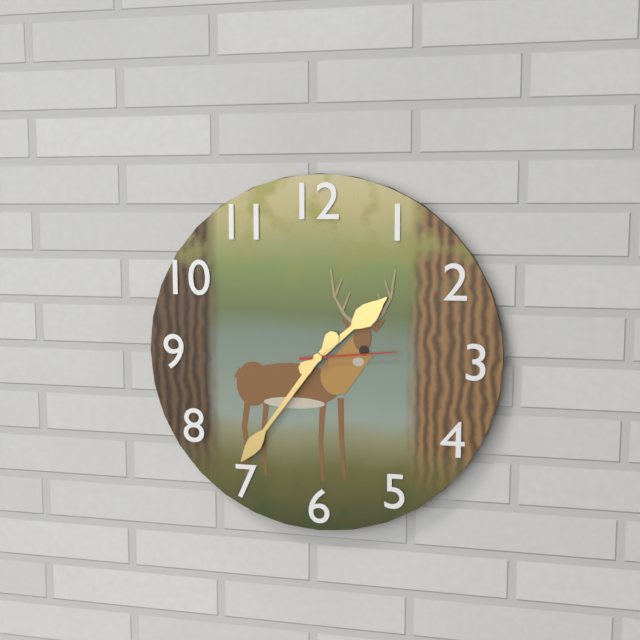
1h36m14s
